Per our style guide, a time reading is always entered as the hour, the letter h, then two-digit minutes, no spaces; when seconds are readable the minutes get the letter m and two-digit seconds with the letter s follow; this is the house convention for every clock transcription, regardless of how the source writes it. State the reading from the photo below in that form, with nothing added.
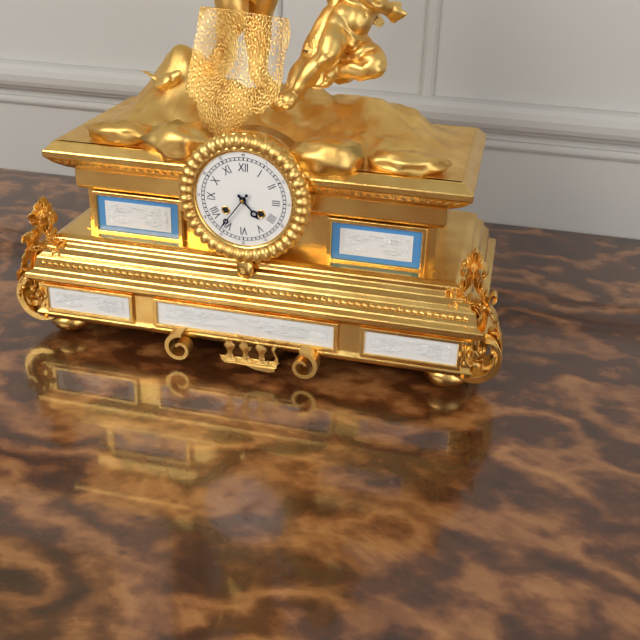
4h36
